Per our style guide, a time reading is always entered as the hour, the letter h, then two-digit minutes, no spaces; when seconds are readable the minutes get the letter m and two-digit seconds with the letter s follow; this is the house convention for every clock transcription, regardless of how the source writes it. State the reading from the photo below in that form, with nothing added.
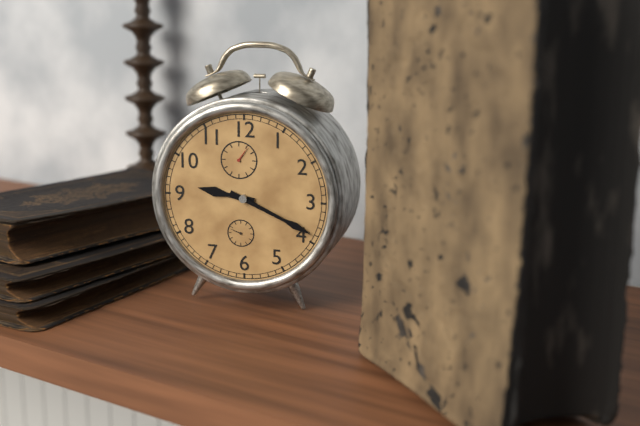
9h19
